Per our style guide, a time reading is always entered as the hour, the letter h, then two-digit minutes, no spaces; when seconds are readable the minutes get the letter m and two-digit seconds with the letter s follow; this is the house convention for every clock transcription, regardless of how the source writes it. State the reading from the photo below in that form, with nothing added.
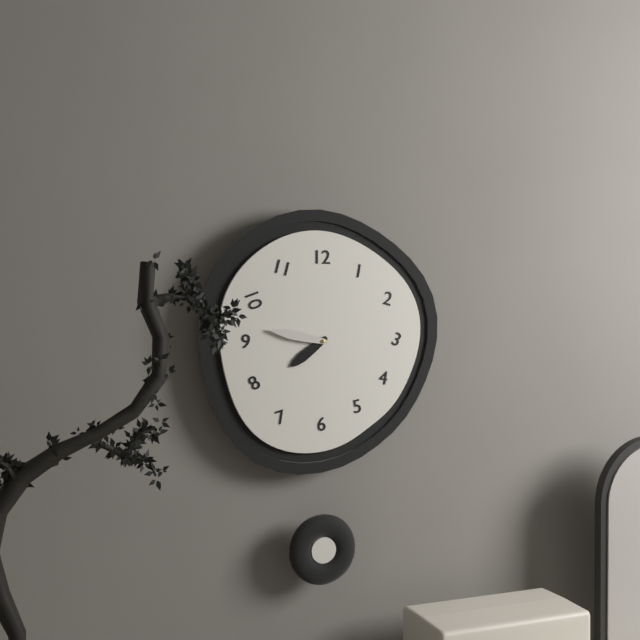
7h47
